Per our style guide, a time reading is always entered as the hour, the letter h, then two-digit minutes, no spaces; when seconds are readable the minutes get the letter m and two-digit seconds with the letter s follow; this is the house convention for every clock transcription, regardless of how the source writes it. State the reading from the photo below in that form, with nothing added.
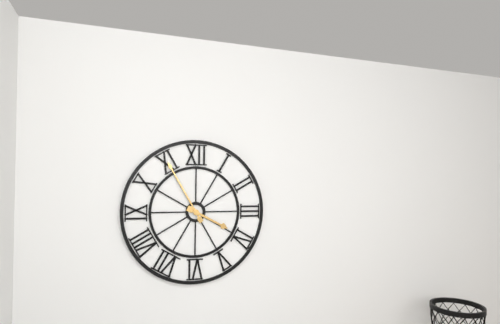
3h55
